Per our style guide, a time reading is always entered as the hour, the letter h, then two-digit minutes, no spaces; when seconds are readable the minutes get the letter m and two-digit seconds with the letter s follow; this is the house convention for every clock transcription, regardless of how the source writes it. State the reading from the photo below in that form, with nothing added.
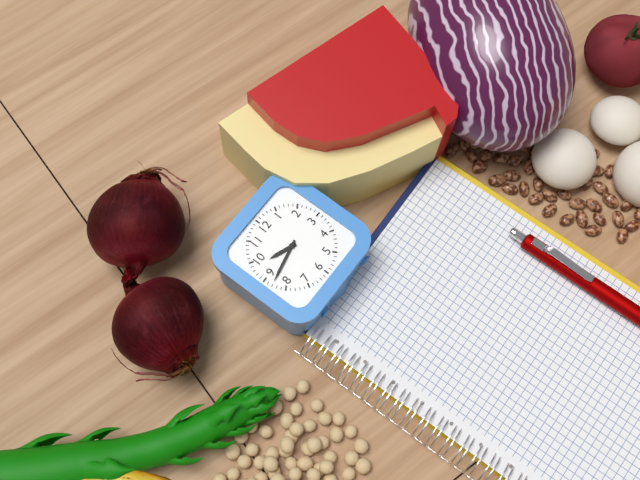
9h43
